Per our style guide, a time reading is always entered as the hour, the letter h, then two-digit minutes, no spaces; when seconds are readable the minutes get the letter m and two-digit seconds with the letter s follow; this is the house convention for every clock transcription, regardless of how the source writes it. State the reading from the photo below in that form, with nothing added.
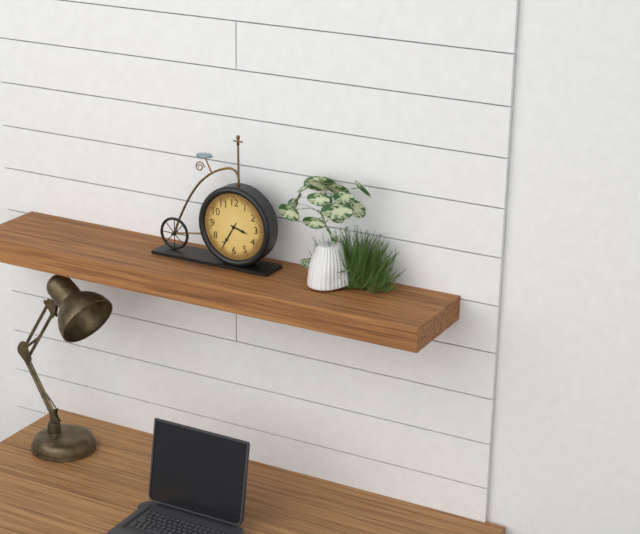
3h35
